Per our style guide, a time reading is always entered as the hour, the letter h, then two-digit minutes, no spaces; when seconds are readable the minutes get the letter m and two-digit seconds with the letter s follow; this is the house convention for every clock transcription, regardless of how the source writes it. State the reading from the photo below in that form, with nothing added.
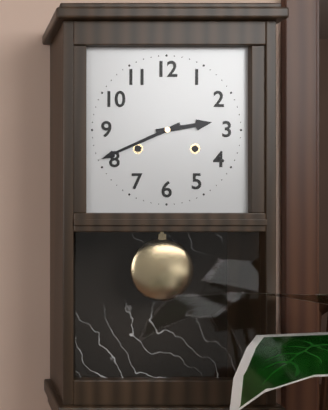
2h41
